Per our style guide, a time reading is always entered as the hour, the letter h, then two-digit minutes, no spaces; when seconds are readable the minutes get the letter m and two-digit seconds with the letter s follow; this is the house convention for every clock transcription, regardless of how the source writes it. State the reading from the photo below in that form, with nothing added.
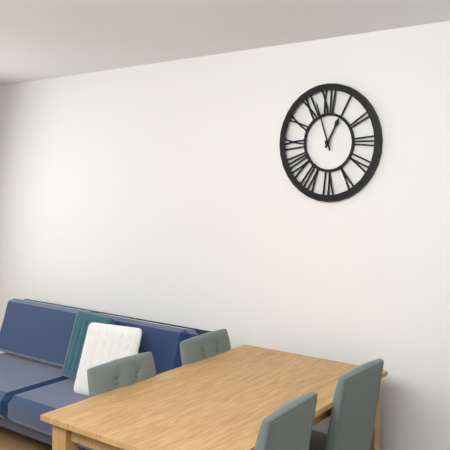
12h57
